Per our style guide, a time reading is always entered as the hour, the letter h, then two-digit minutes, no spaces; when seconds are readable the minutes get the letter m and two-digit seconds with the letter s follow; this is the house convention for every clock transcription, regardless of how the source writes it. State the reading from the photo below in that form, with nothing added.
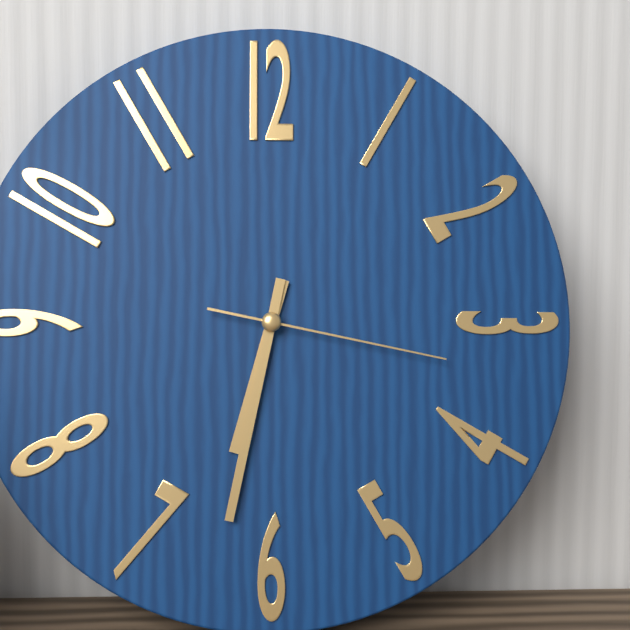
6h32m17s
